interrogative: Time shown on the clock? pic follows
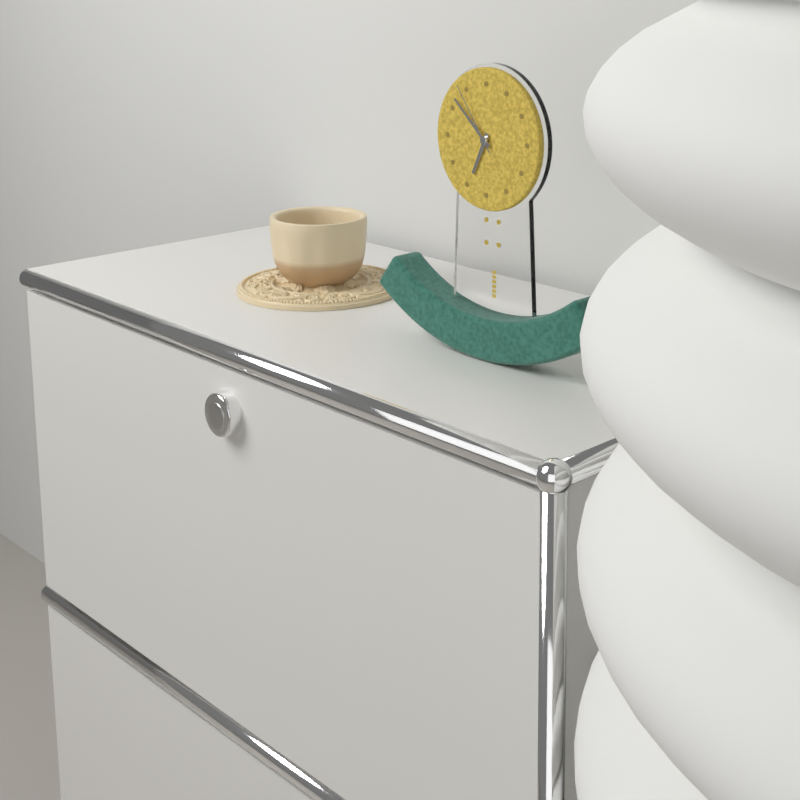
6:52:54
